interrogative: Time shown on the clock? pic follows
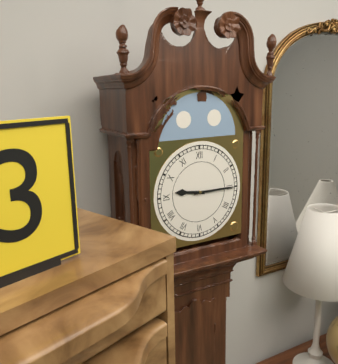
9:15
